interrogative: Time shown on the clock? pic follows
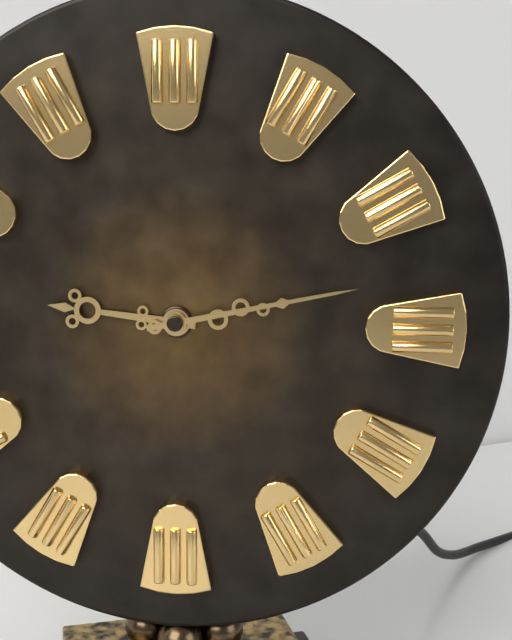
9:13
